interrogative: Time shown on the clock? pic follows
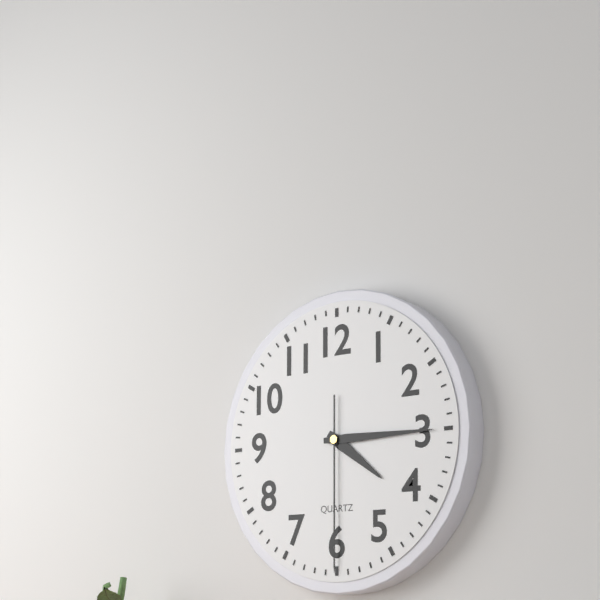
4:15:30
